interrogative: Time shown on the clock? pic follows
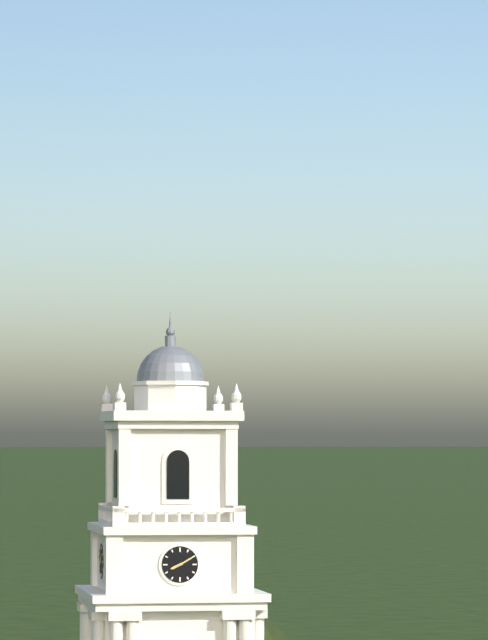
8:10
